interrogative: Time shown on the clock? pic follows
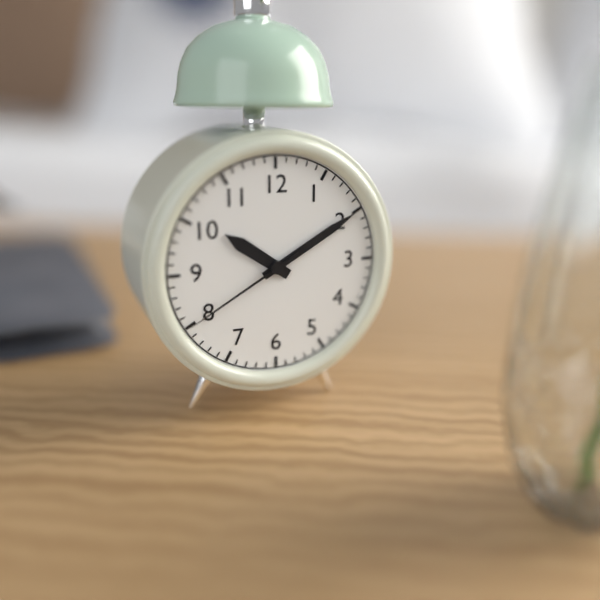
10:10:40
